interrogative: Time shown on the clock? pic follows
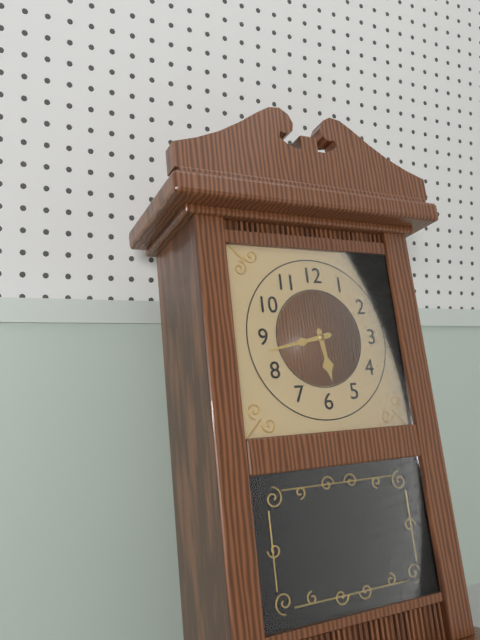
5:43
